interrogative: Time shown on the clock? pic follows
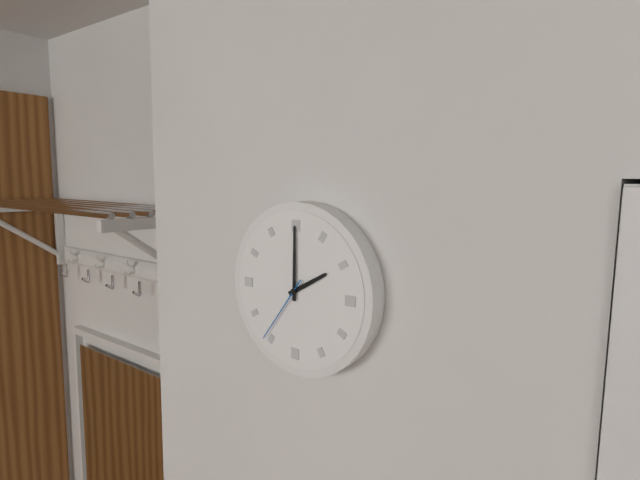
2:00:36
